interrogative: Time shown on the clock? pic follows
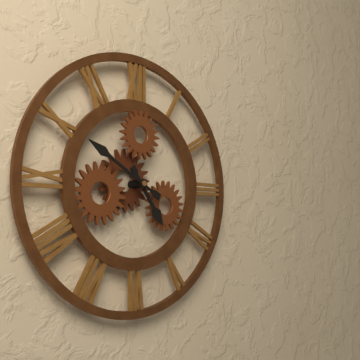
4:50
